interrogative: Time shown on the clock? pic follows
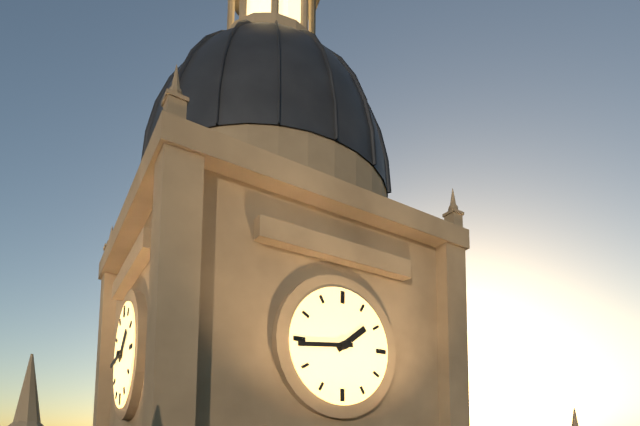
1:44
